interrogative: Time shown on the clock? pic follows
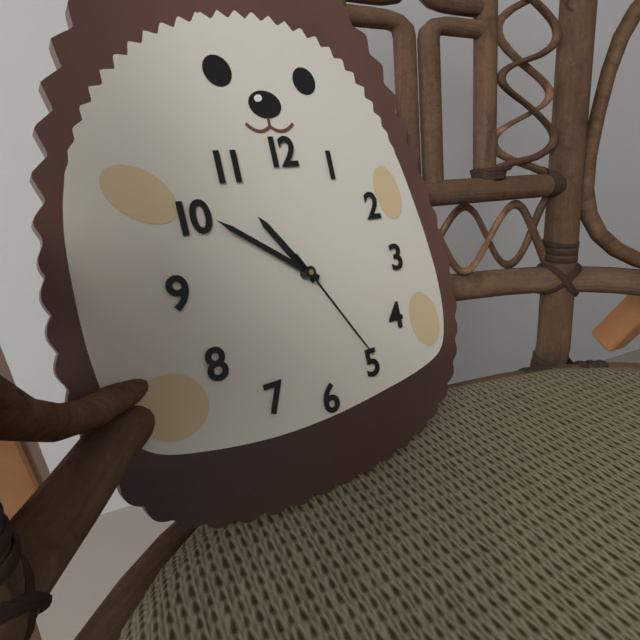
10:51:25
